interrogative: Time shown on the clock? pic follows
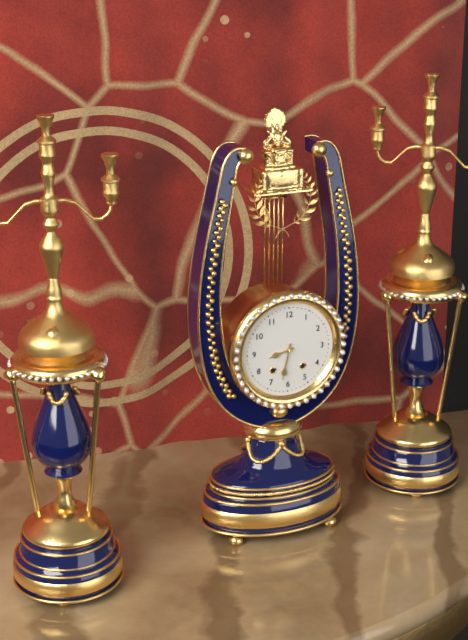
8:32
